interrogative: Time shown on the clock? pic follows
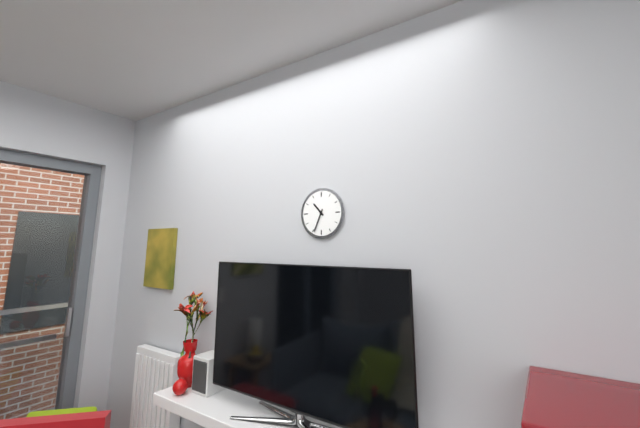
10:34
